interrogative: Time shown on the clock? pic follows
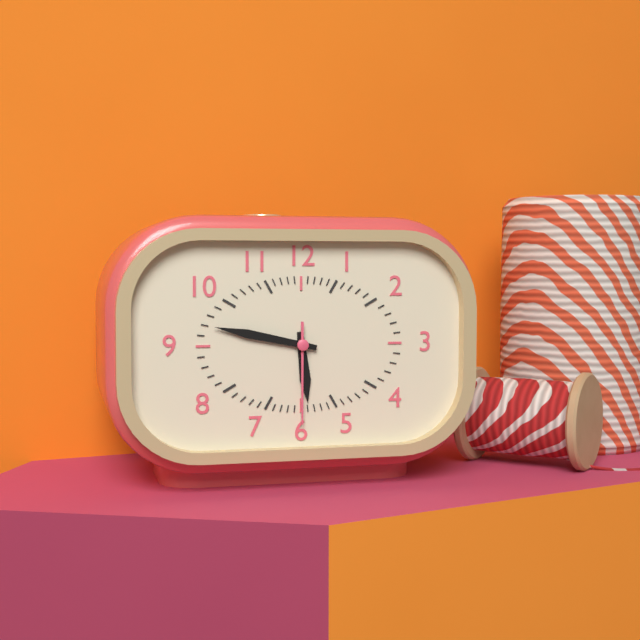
5:47:30
